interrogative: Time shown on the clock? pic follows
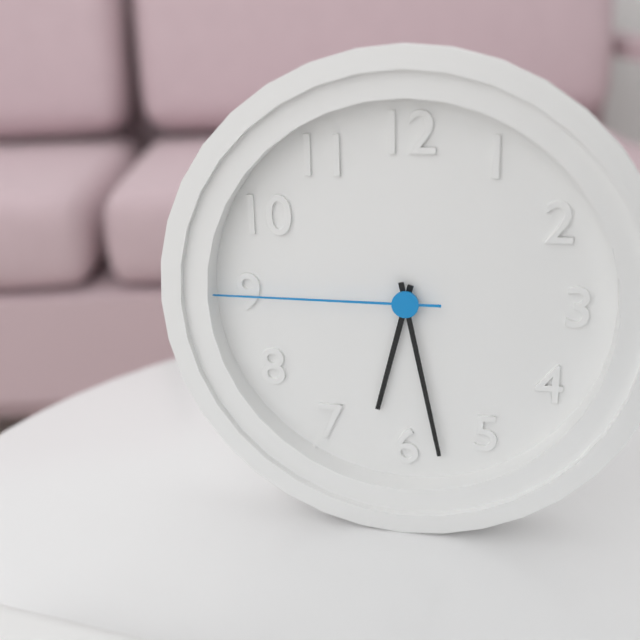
6:28:45
